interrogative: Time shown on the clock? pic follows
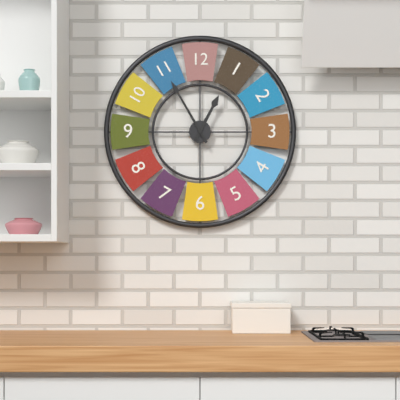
12:55
